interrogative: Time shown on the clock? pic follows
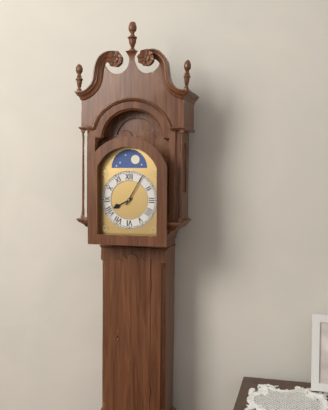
8:05
